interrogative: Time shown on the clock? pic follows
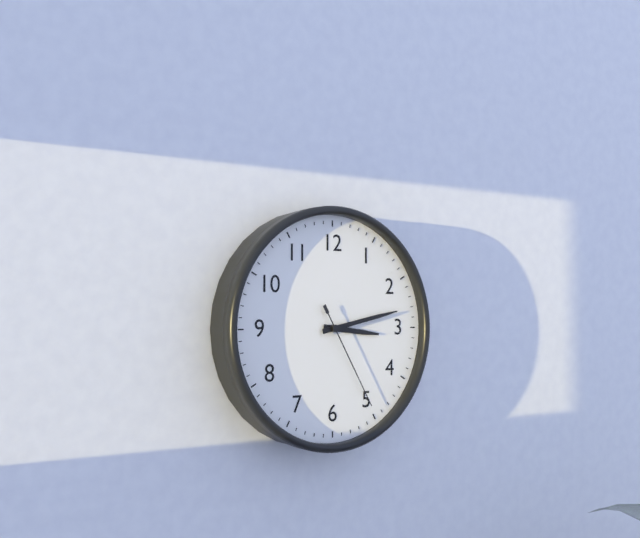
3:13:25
